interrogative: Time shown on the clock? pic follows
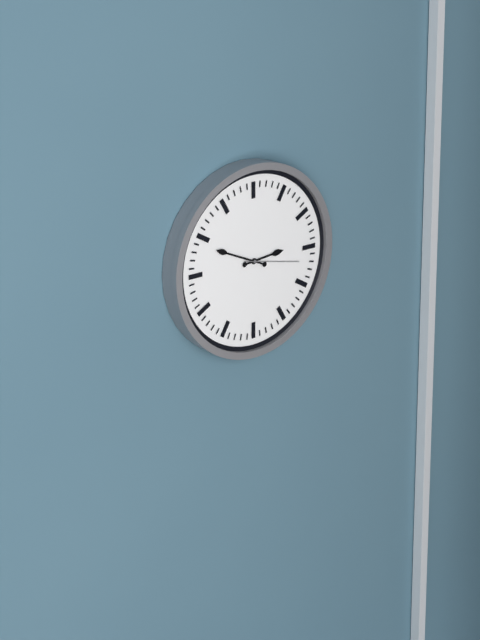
2:49:17
